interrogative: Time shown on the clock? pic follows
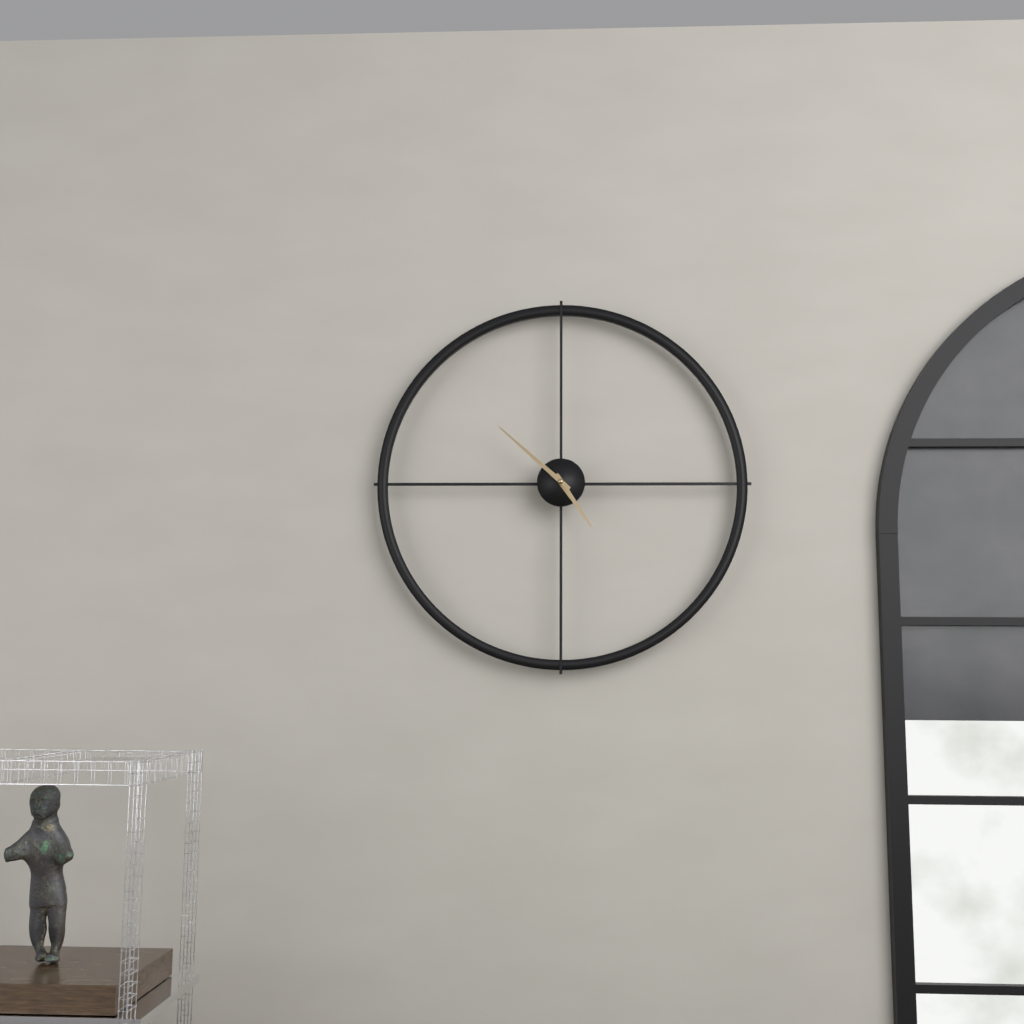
4:52
